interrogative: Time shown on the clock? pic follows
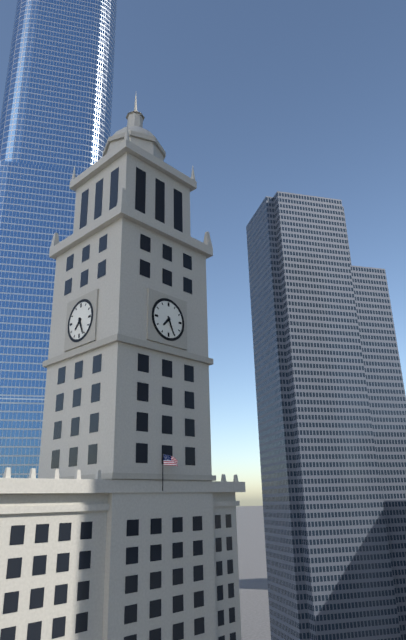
7:26
